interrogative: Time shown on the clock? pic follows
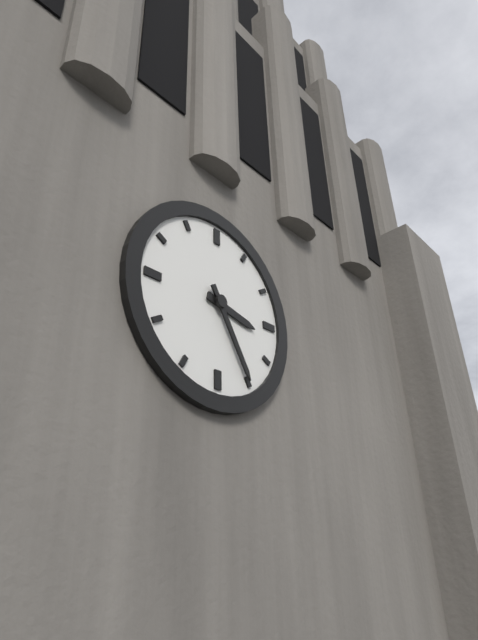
3:25
